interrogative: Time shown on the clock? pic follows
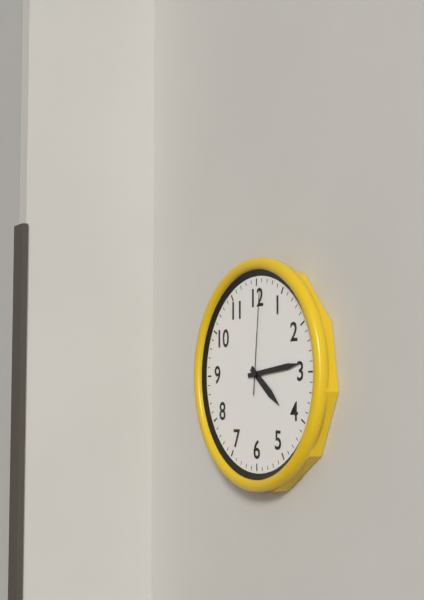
4:14:01
